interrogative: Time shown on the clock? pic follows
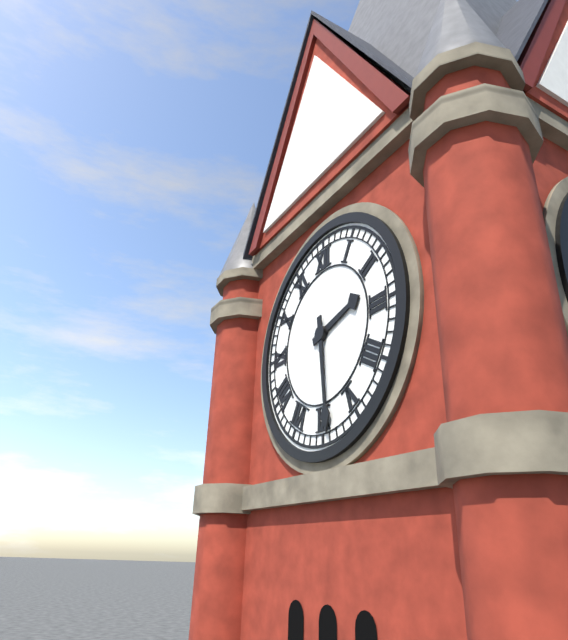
2:29
